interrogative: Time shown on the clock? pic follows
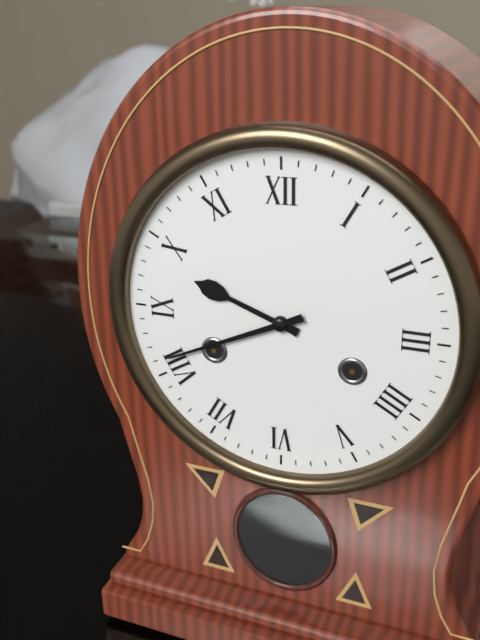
9:41
